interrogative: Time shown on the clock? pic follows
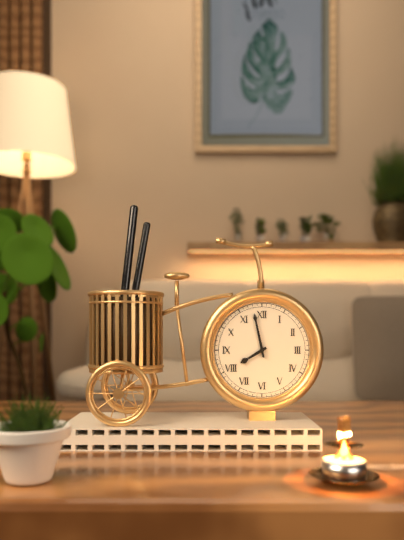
7:58
